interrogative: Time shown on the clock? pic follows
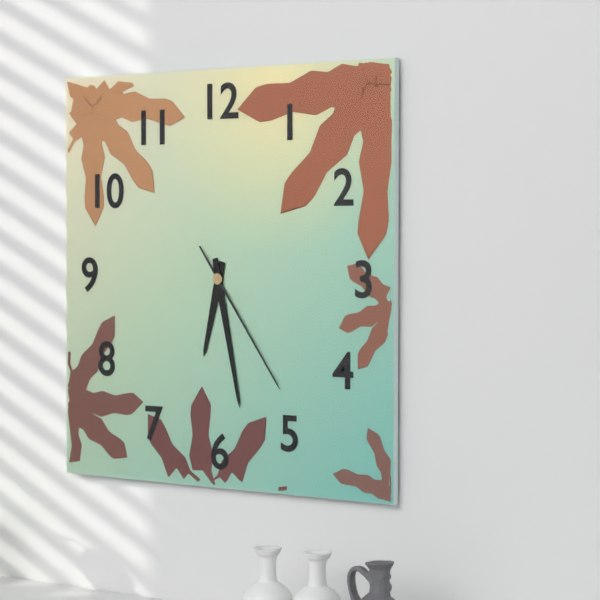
6:28:24
